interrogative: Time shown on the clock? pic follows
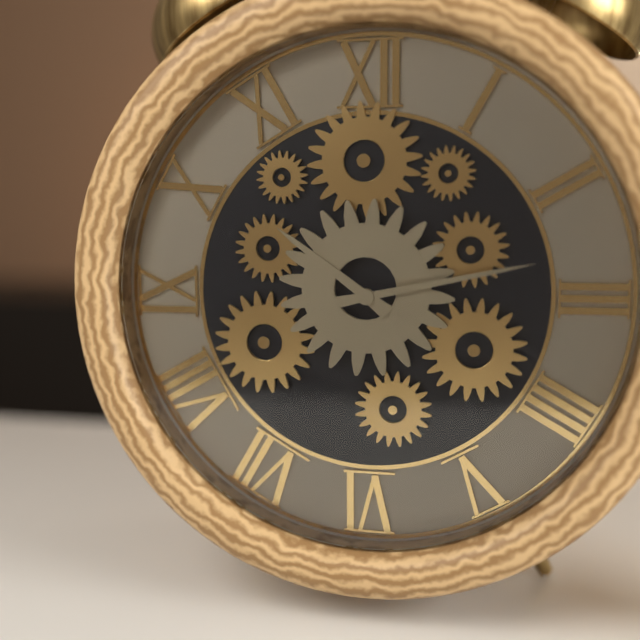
10:13
